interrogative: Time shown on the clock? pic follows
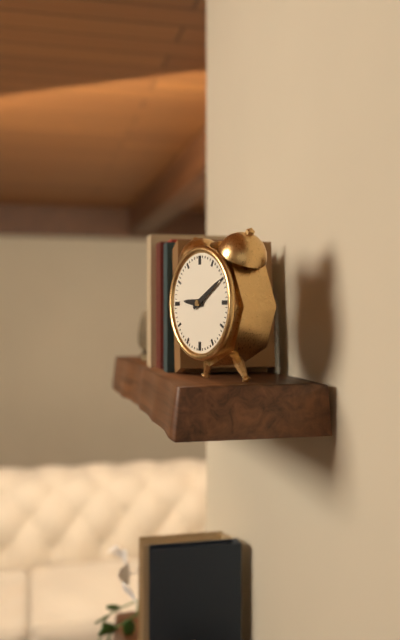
9:10
